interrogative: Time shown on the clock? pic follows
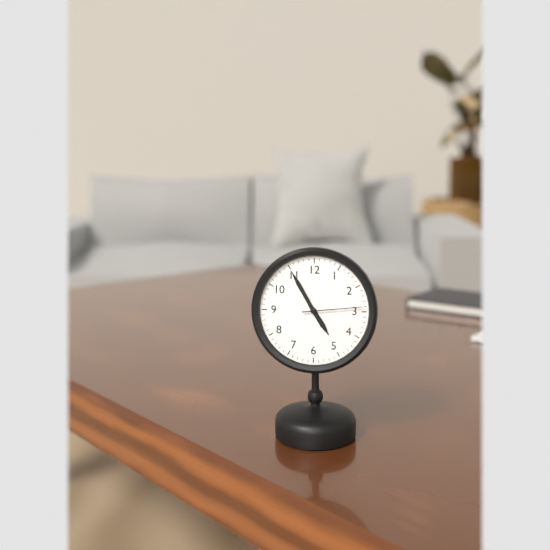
4:55:14
